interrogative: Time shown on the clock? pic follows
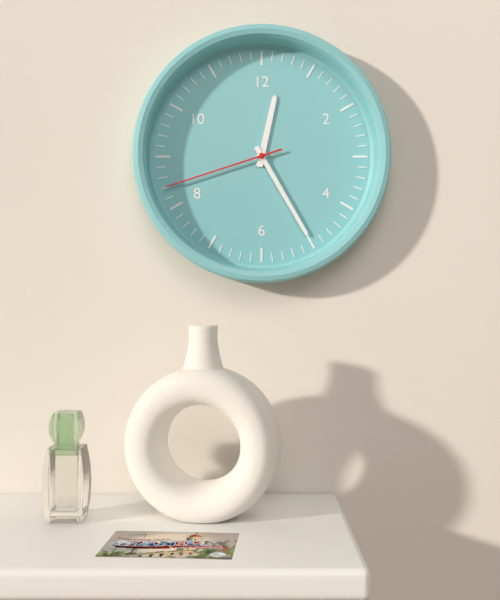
12:25:42
